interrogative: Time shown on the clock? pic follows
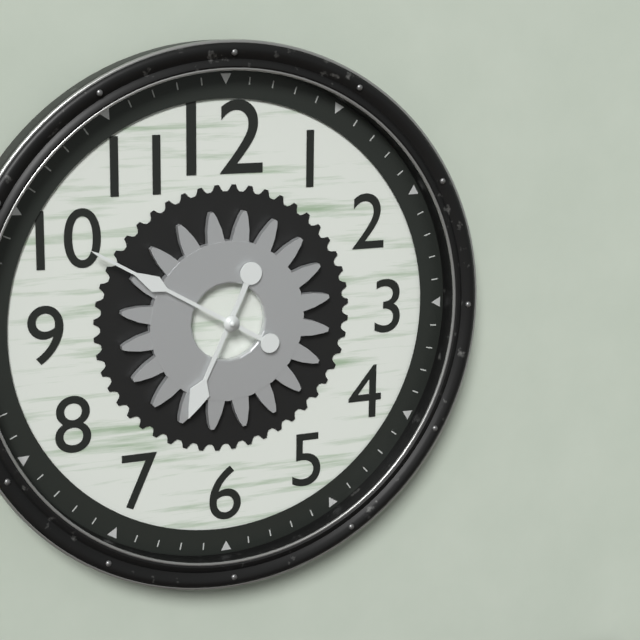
6:50
